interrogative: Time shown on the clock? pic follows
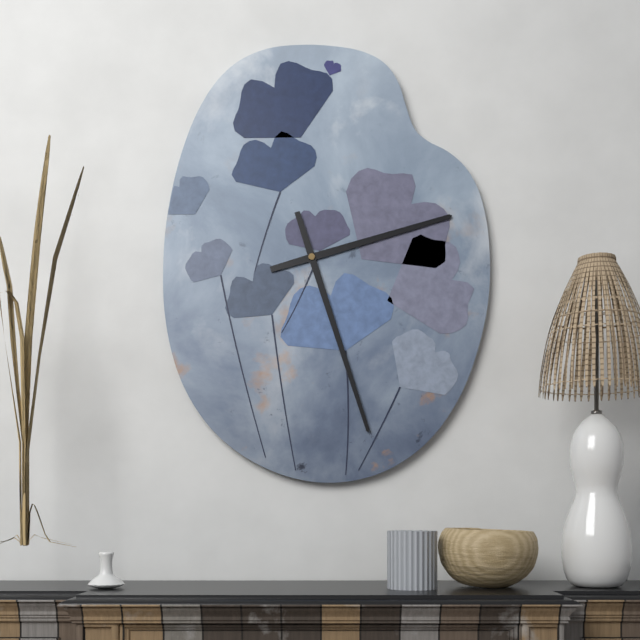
2:27
